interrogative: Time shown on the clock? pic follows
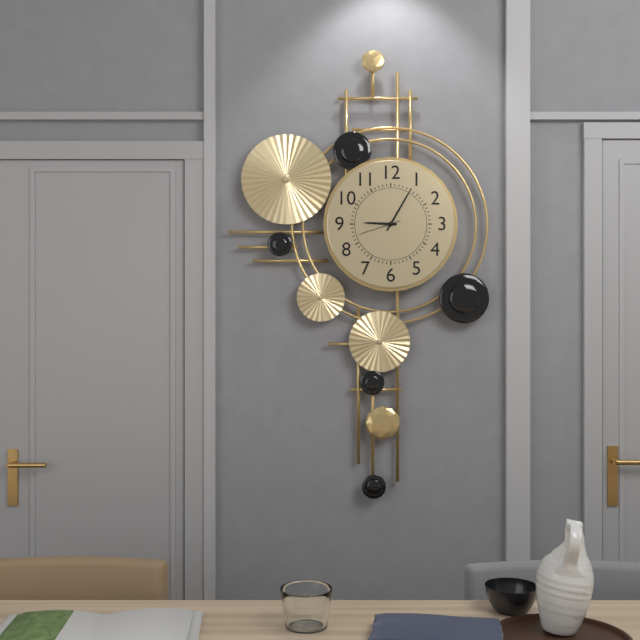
9:05
